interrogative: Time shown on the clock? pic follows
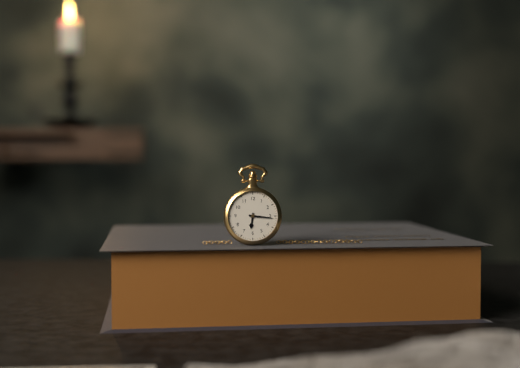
6:16
